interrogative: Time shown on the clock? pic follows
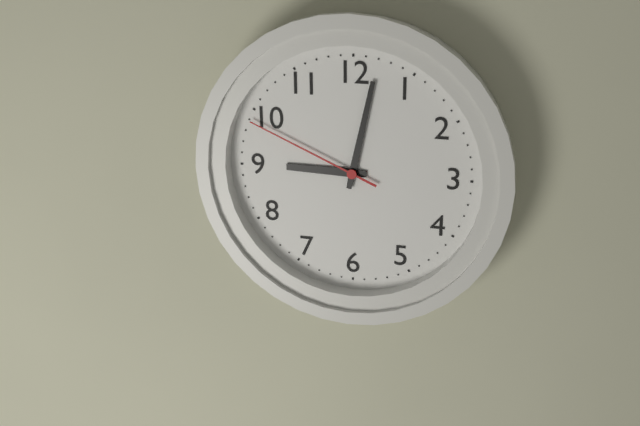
9:02:49
